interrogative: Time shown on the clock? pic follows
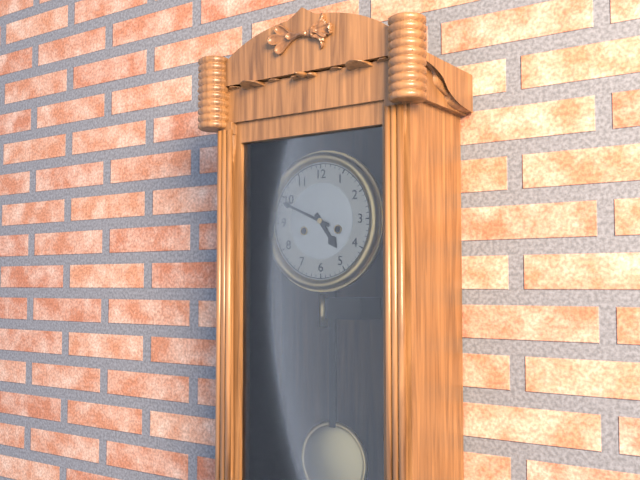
4:49
